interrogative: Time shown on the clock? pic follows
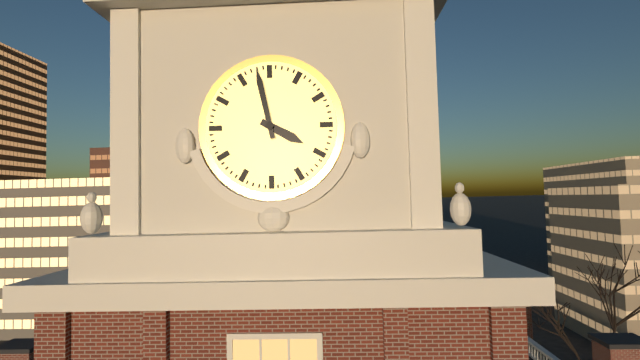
3:58
